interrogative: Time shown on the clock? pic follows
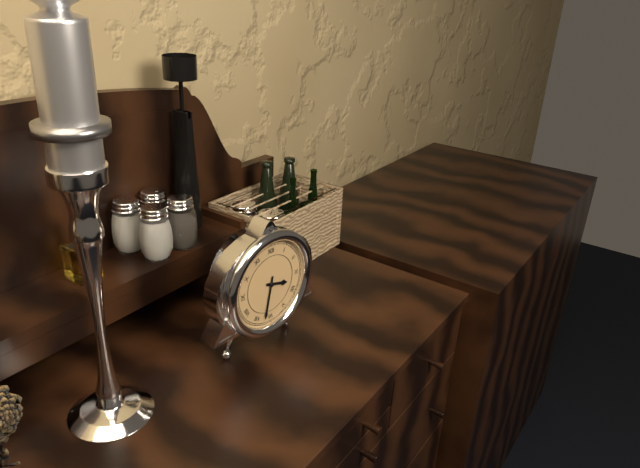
3:32
